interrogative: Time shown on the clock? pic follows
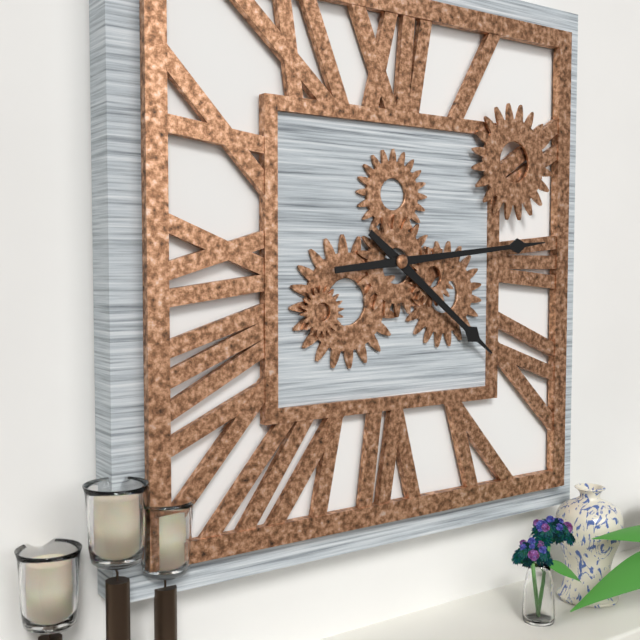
4:14
